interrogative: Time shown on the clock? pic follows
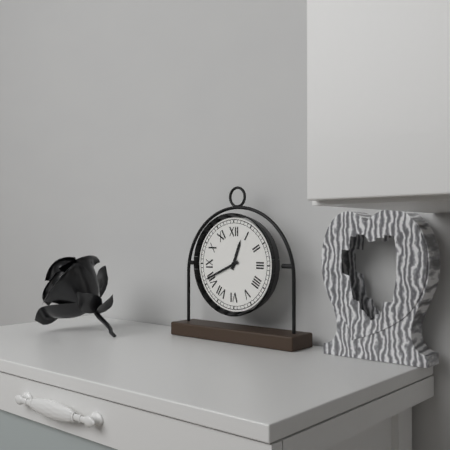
12:41
